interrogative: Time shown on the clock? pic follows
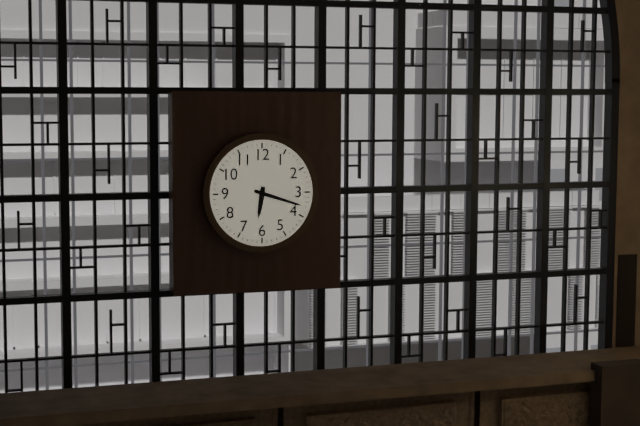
6:18
